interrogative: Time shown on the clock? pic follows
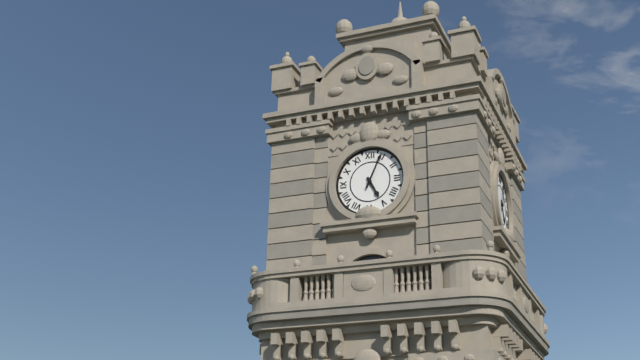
5:04
